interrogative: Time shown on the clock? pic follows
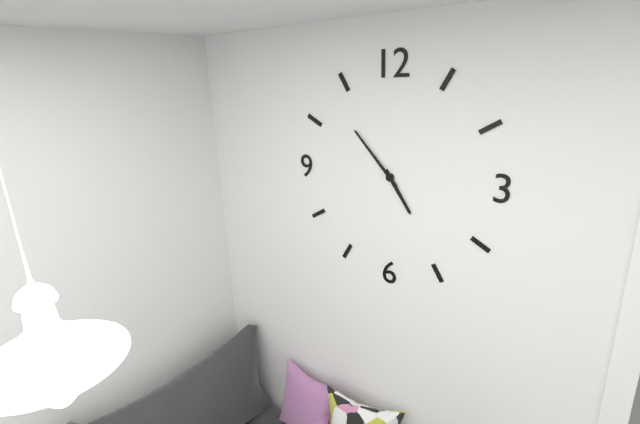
4:53
